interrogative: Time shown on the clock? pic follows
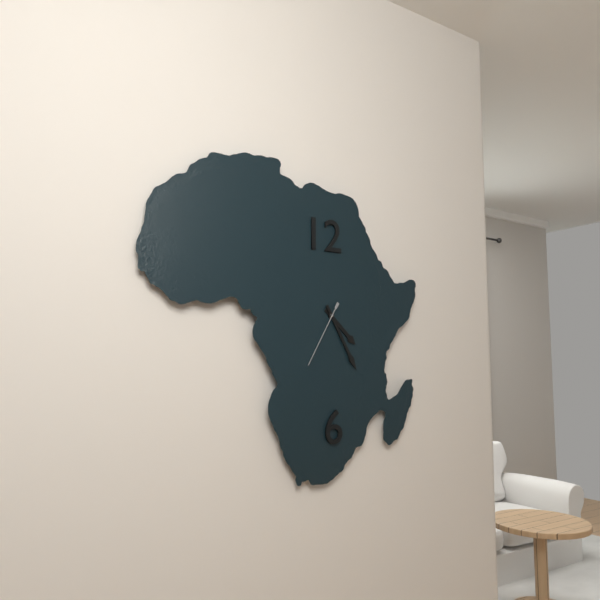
4:25:35
